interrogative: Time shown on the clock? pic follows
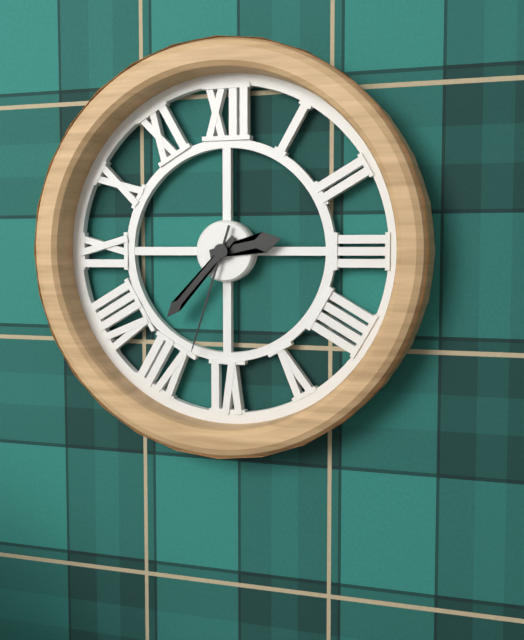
2:37:33
